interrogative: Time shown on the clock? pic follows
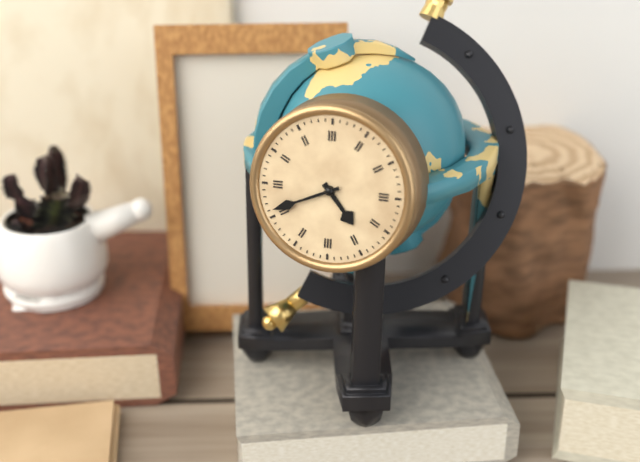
4:41
